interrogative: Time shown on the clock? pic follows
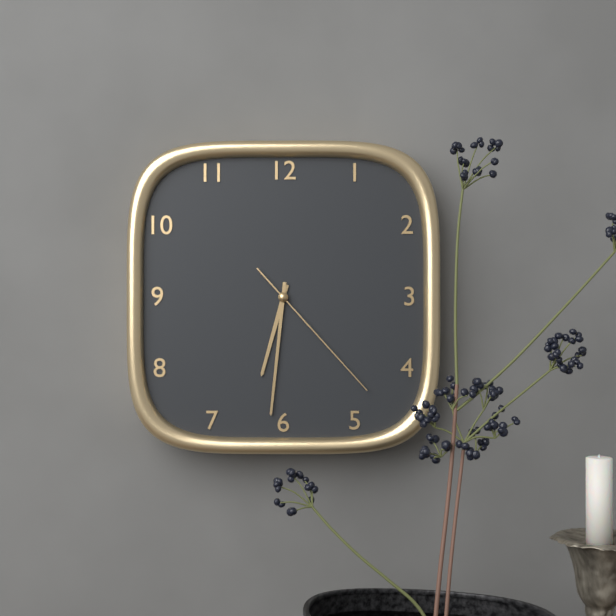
6:31:23
